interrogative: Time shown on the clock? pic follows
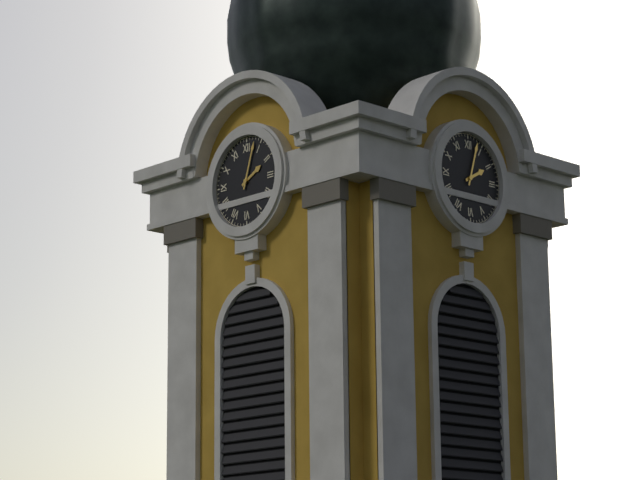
2:03
